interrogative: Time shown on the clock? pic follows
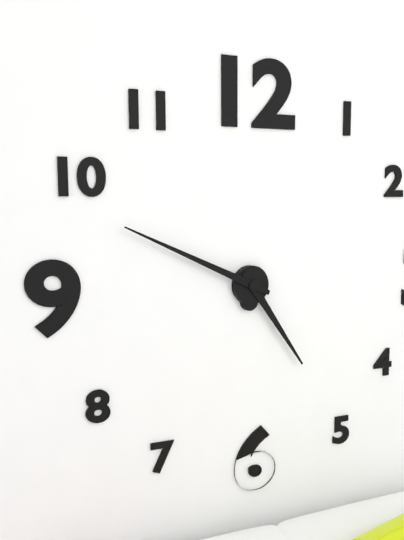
4:49
